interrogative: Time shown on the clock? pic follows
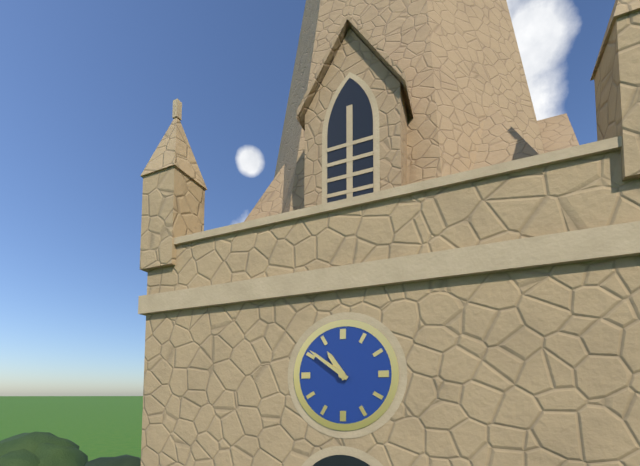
10:51
